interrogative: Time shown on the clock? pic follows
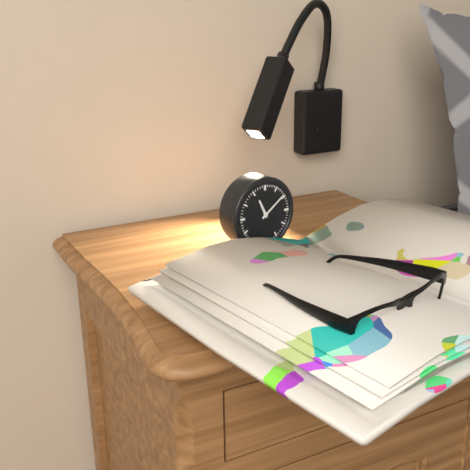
11:09
